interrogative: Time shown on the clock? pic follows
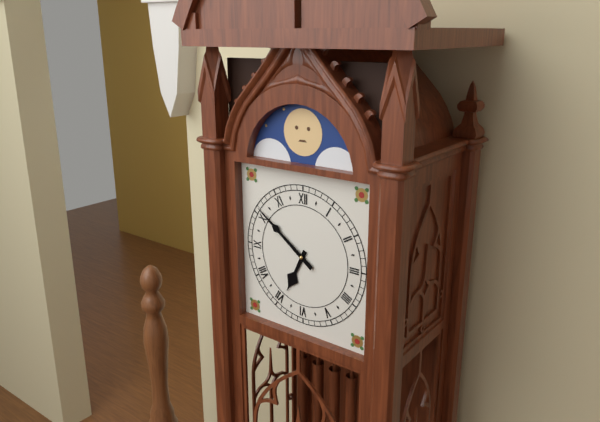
6:51
